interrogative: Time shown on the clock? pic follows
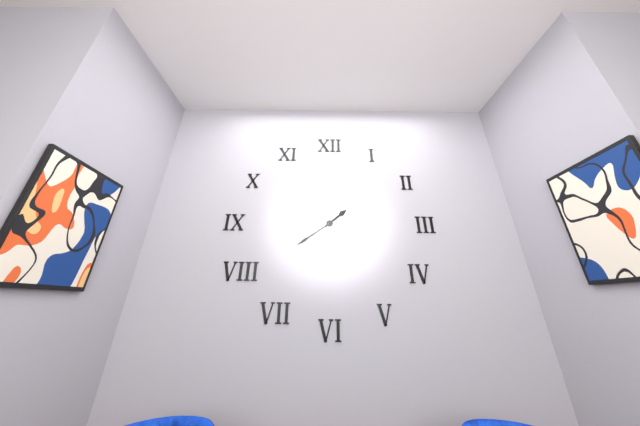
1:39
